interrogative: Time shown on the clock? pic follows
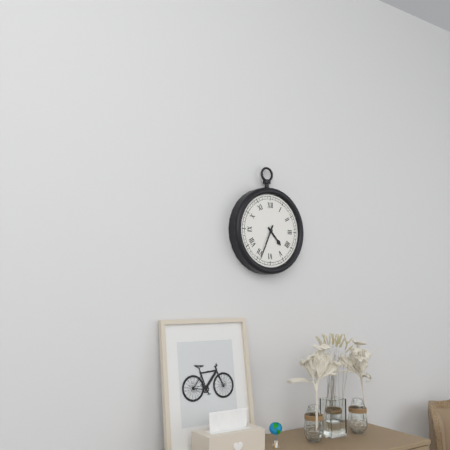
4:34
